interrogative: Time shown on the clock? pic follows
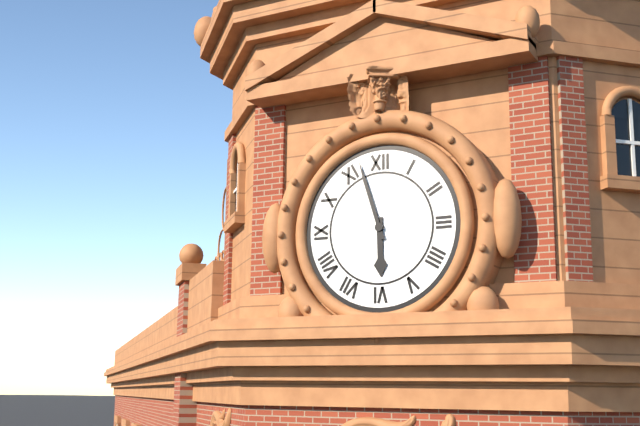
5:57
